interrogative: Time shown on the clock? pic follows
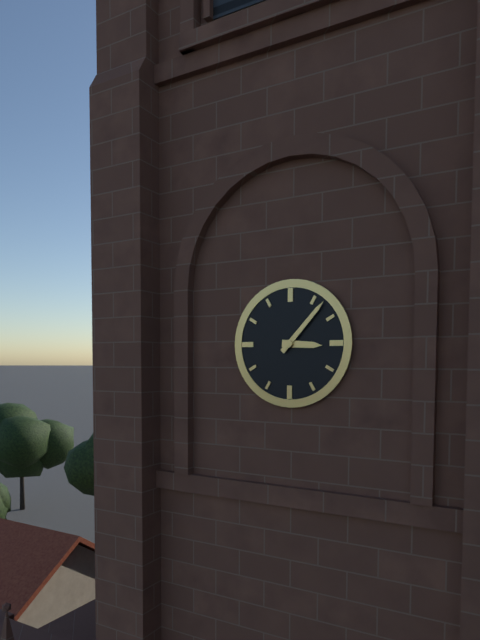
3:07
